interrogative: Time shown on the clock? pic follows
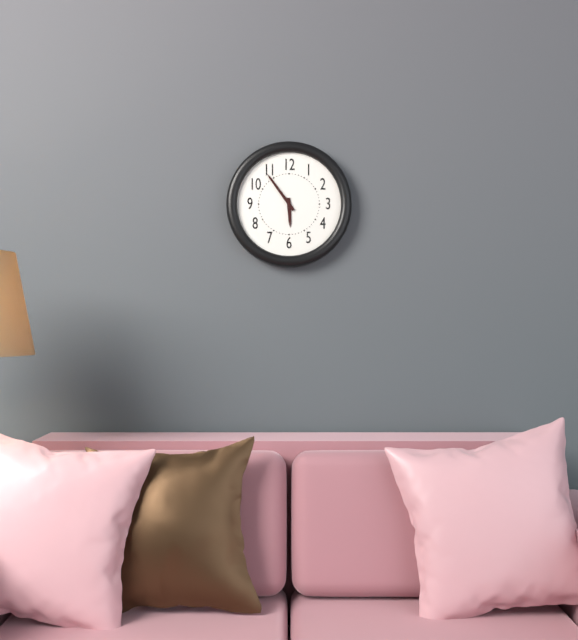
5:54
